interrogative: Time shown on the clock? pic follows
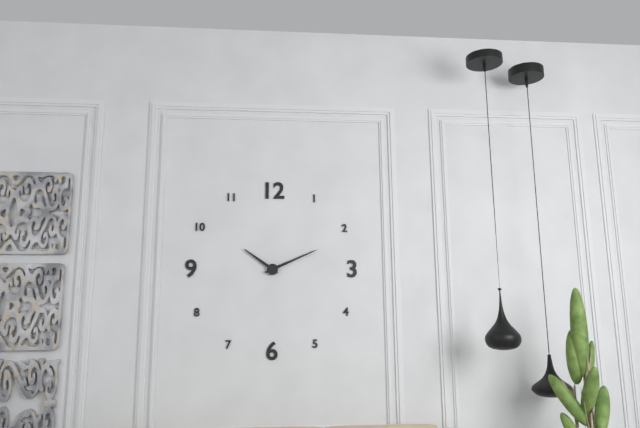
10:11
